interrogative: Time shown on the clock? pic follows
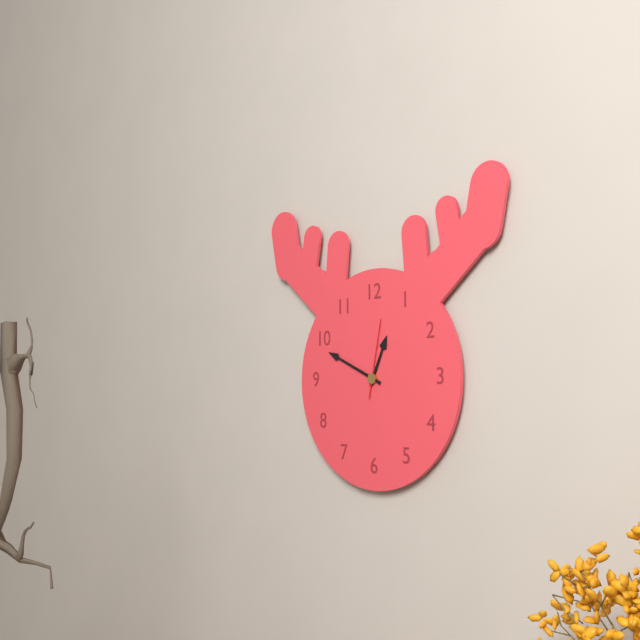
12:49:02
